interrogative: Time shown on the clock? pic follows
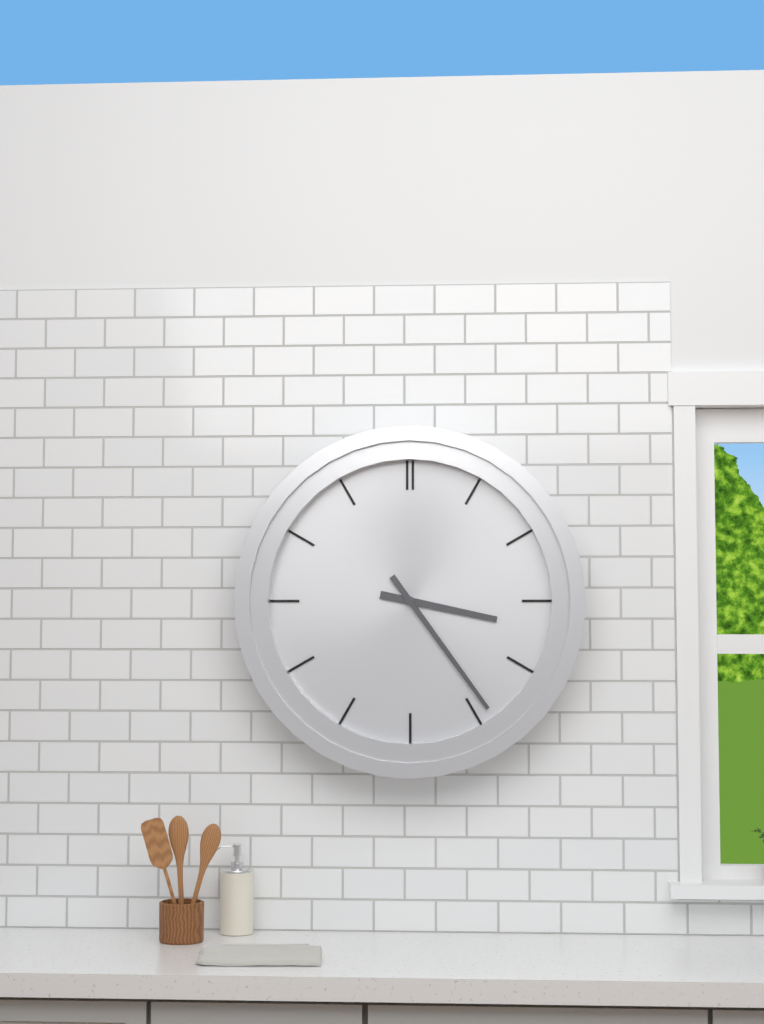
3:24
